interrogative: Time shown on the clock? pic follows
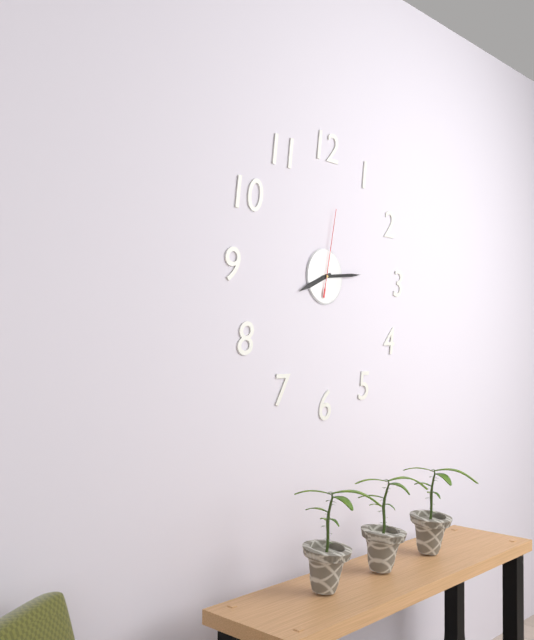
8:14:02
